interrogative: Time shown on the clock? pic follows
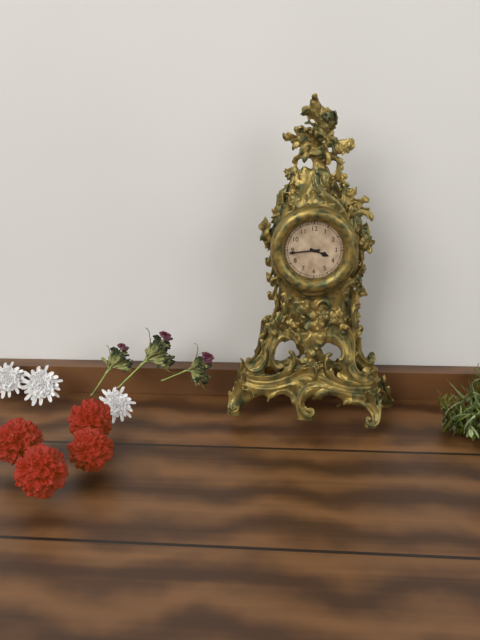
3:44
